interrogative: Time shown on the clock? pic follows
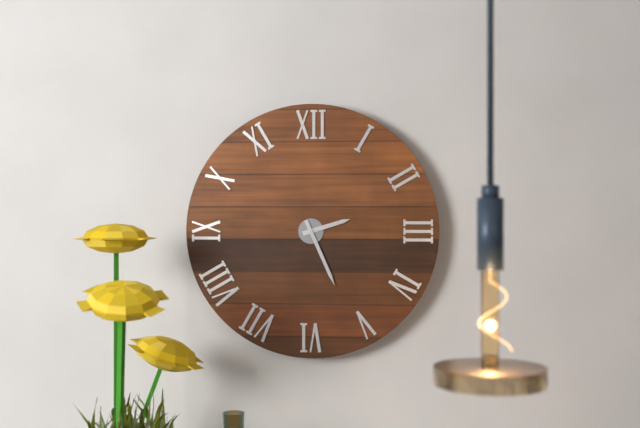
2:26
